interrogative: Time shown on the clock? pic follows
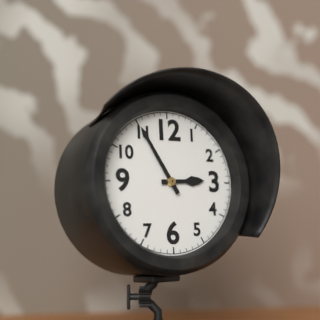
2:55
